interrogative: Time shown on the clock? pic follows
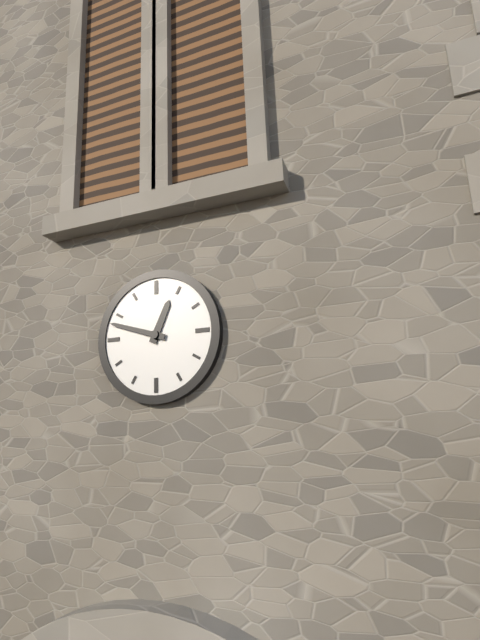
12:48
